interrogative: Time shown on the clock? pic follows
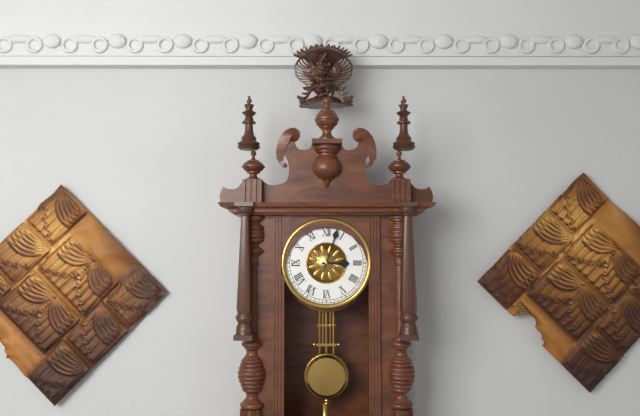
3:03
